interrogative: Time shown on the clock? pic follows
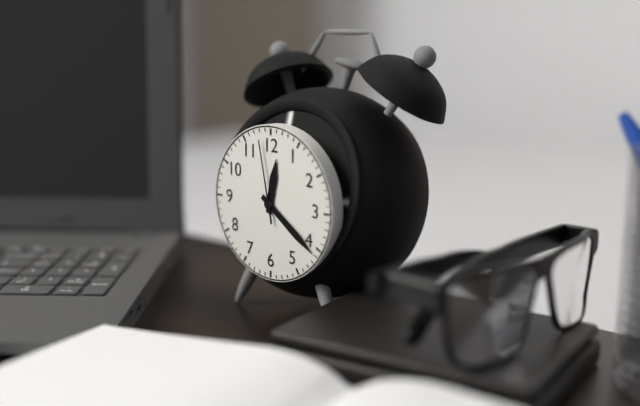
12:21:58
